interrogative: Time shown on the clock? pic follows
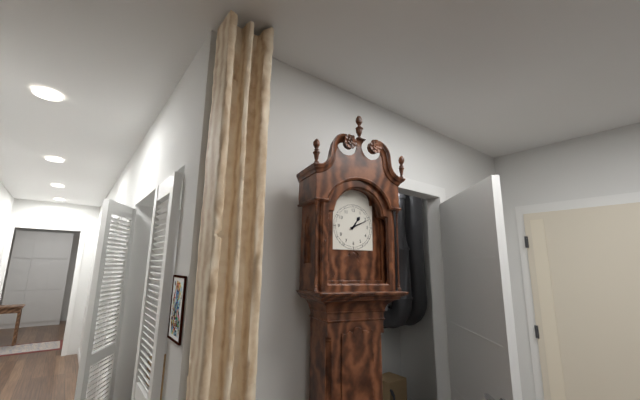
1:11
